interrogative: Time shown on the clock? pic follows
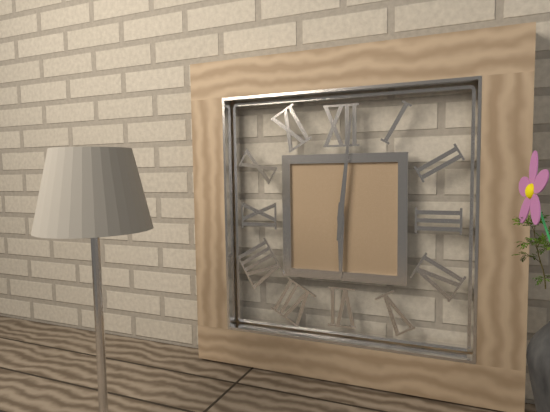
6:01
